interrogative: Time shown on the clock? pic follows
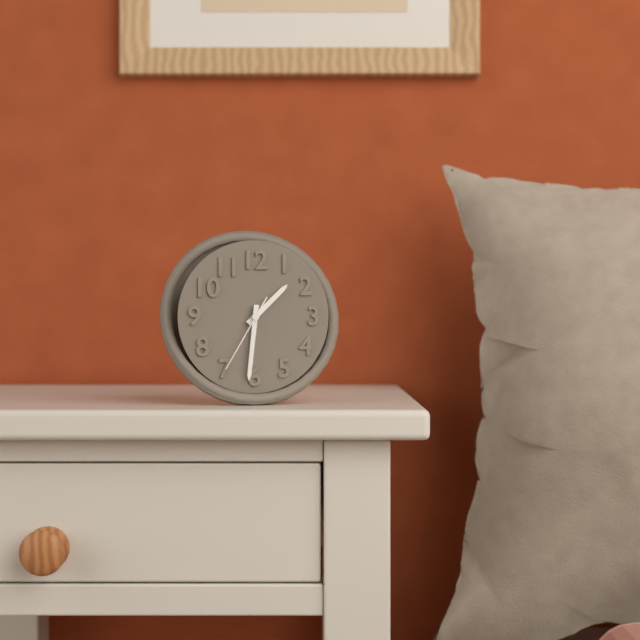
1:31:35
